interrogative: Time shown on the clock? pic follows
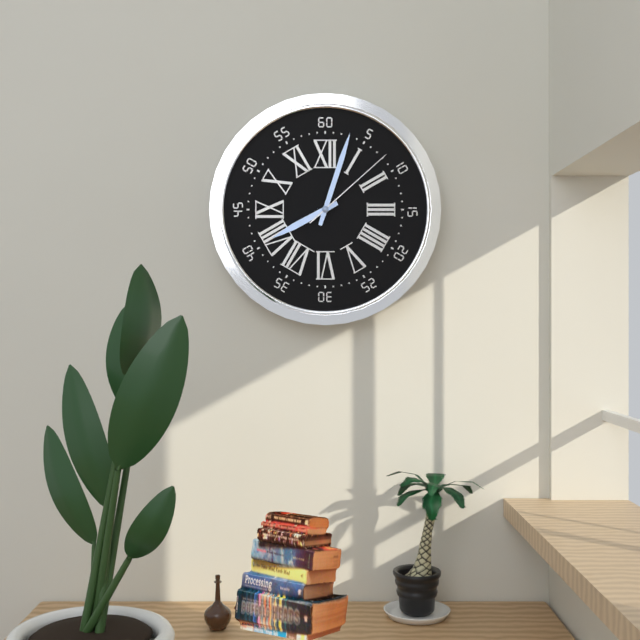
8:03:08
